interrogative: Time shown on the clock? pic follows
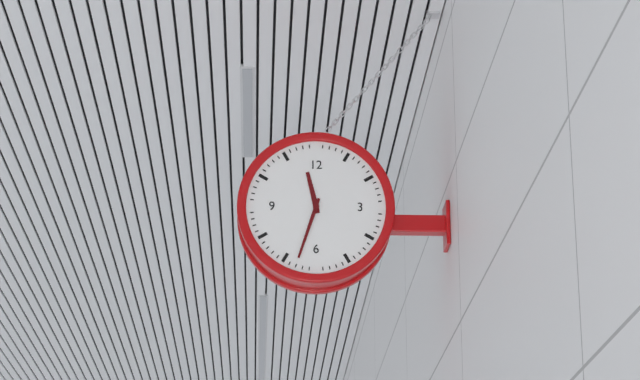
11:33
